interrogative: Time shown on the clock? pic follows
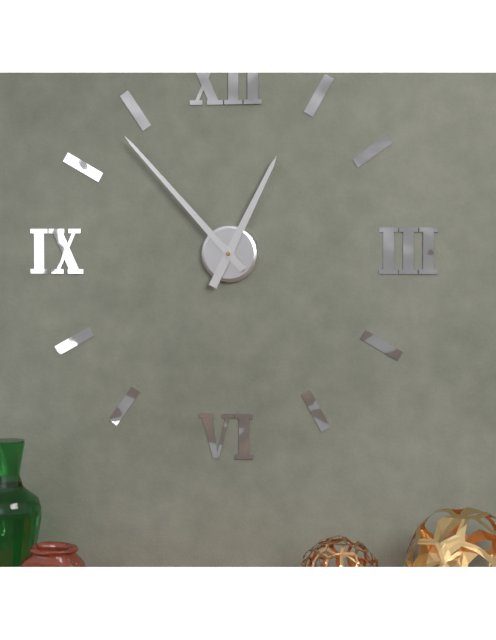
12:53
